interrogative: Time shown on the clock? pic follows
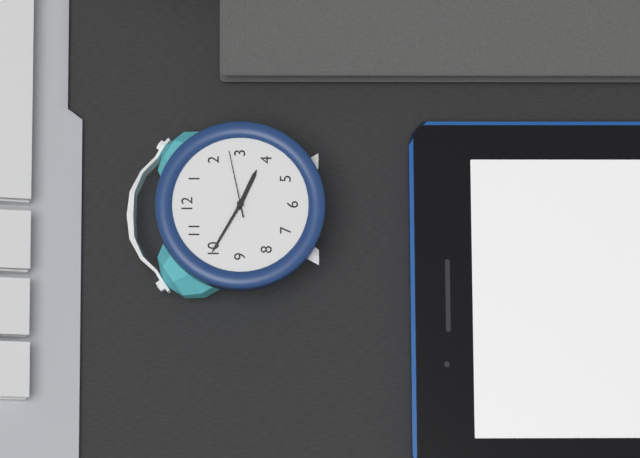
3:50:13
